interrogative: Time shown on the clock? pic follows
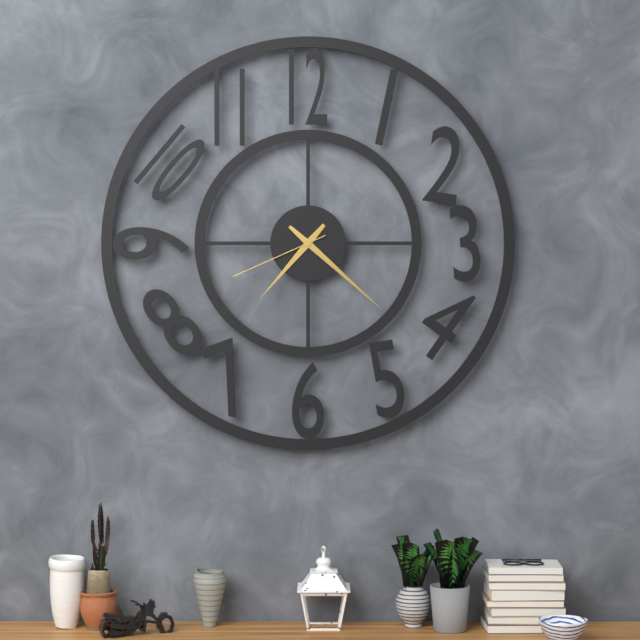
7:22:41
